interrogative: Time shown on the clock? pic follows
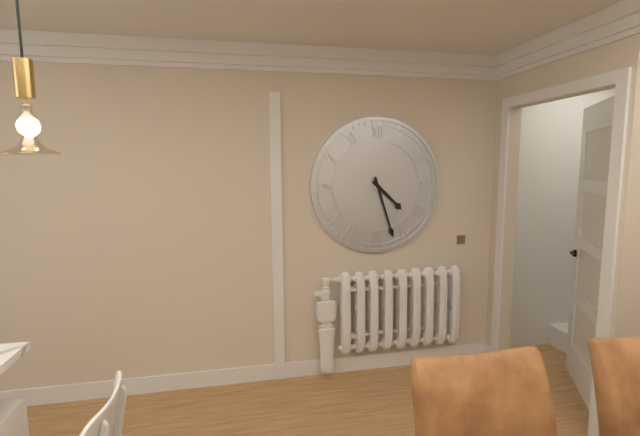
4:27
